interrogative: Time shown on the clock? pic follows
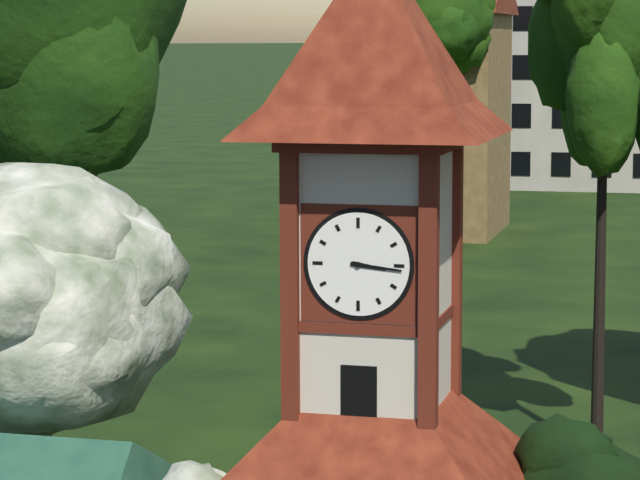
3:16
